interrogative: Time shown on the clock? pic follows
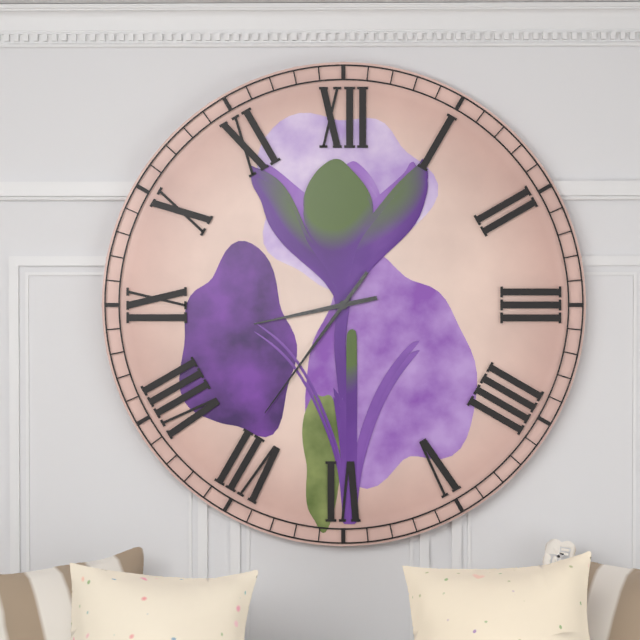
8:36
